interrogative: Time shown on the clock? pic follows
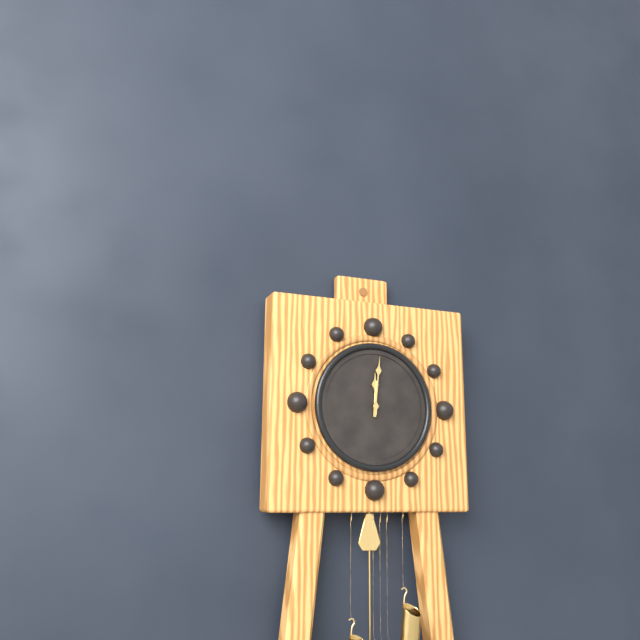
12:01
